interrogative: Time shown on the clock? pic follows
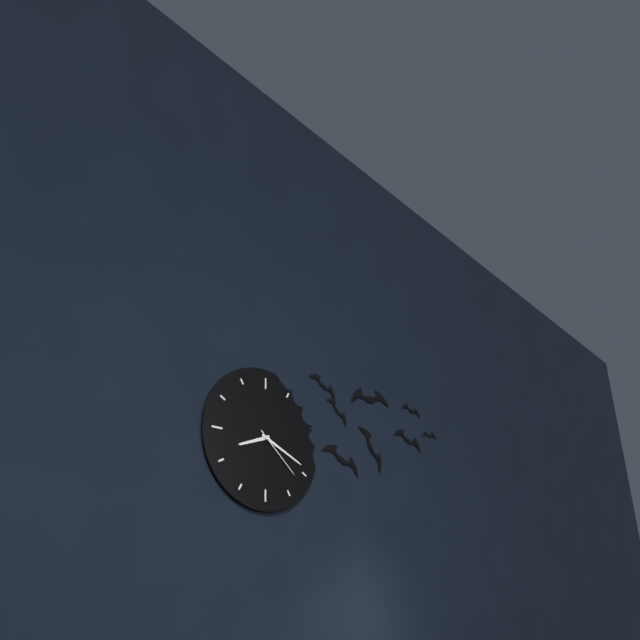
8:19:22
